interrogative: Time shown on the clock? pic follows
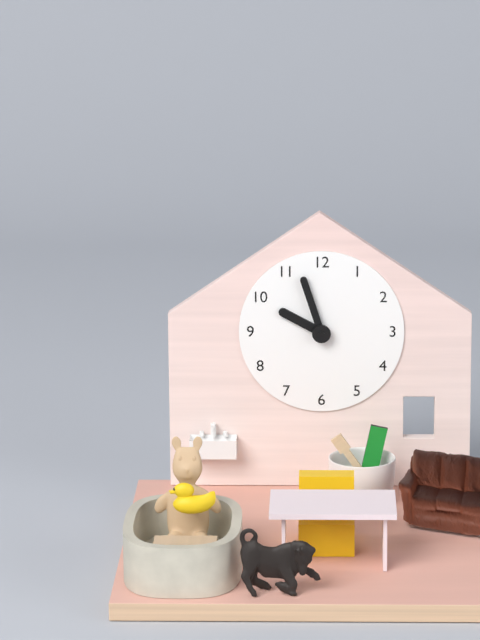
9:57
